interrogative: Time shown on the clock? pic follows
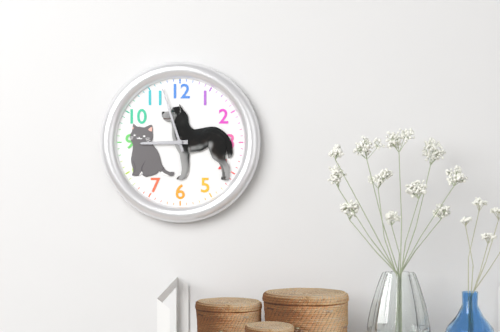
8:57
